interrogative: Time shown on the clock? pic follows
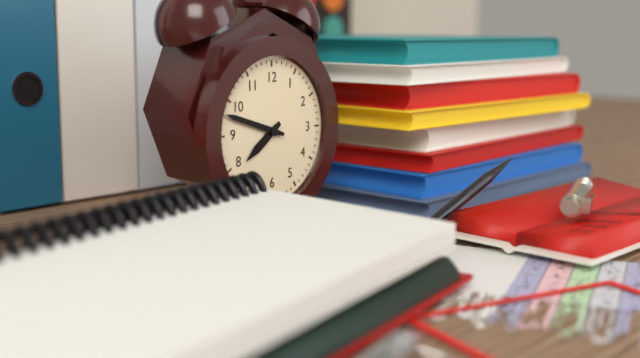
7:48
